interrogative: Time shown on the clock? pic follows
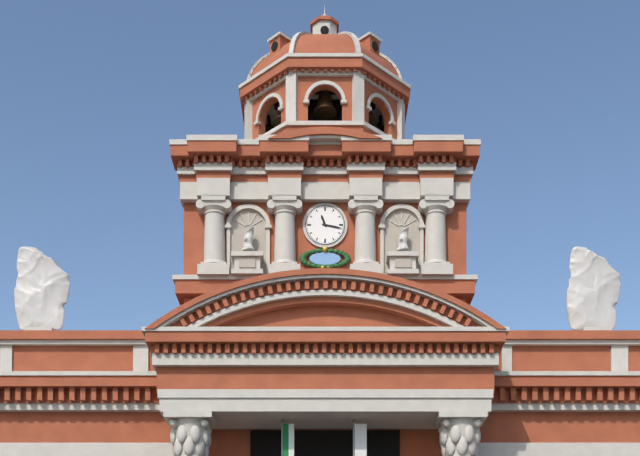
11:17
